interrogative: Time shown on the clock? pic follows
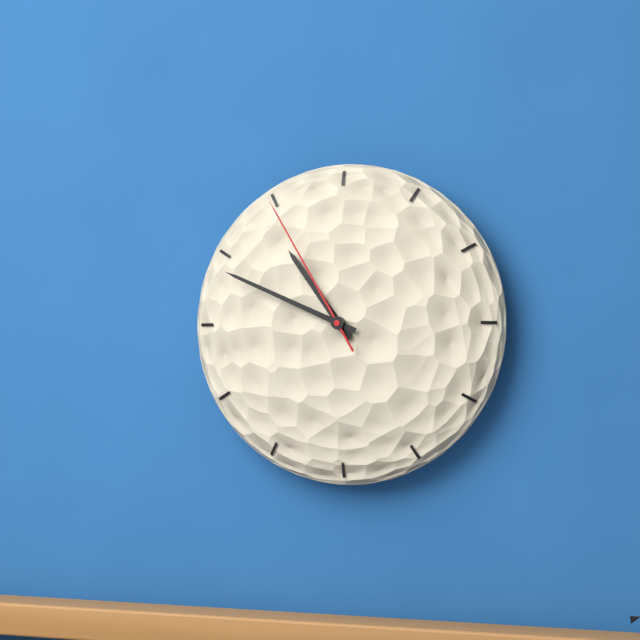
10:49:55
